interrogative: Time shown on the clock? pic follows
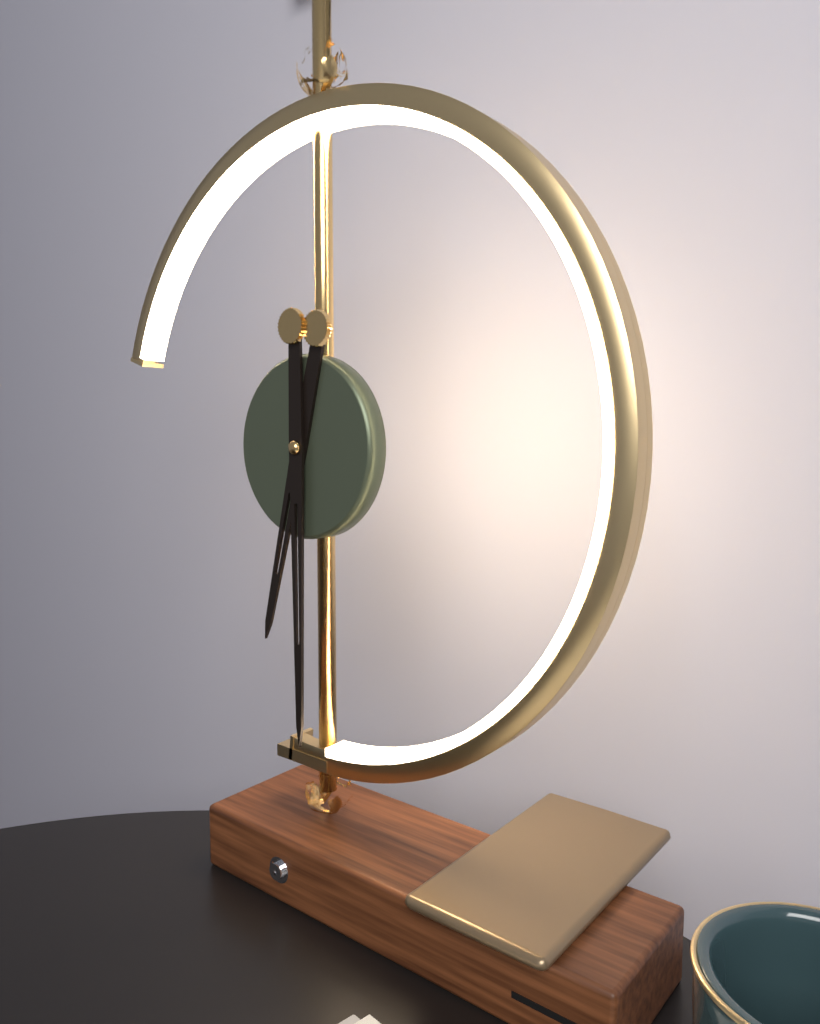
6:30
